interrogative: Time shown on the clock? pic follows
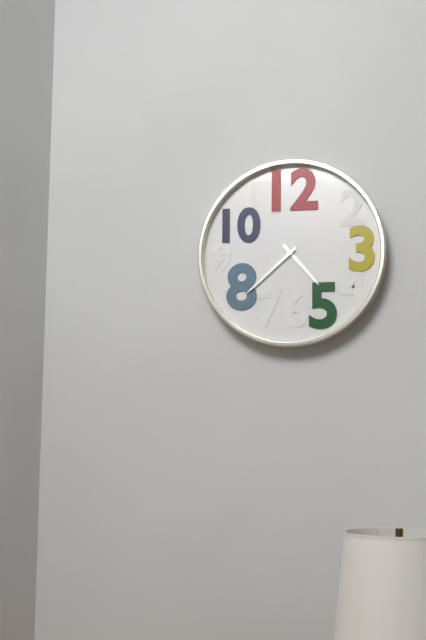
4:38
